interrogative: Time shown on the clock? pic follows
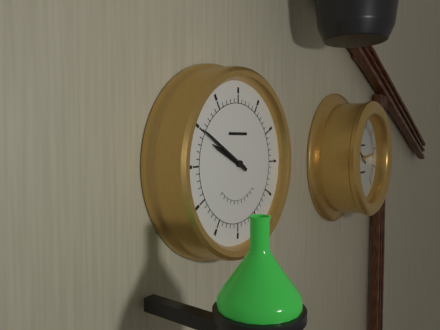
9:50
